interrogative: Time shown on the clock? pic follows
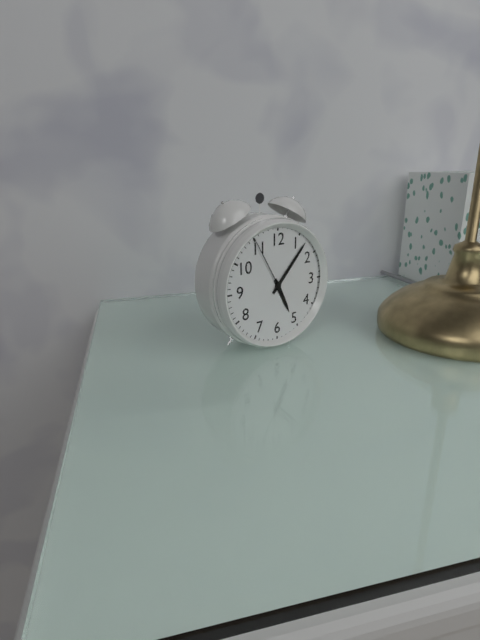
5:07:55
